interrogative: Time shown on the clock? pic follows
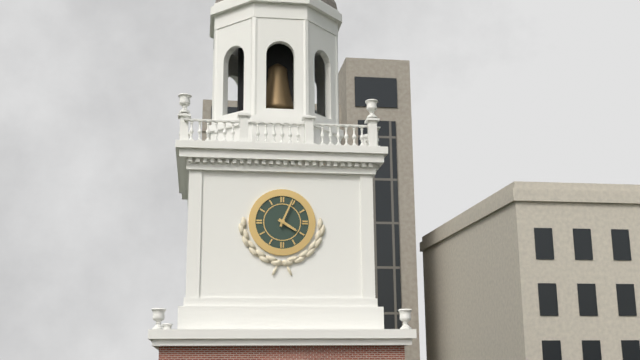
4:04
